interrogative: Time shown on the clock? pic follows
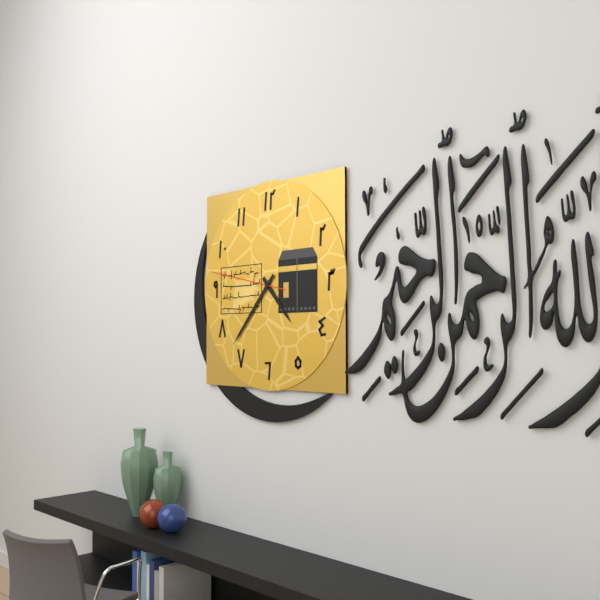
4:37:47
